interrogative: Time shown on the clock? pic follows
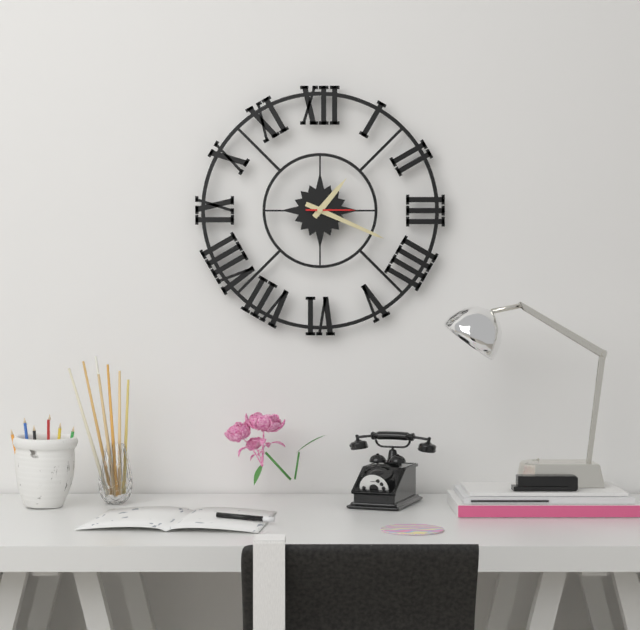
1:19
